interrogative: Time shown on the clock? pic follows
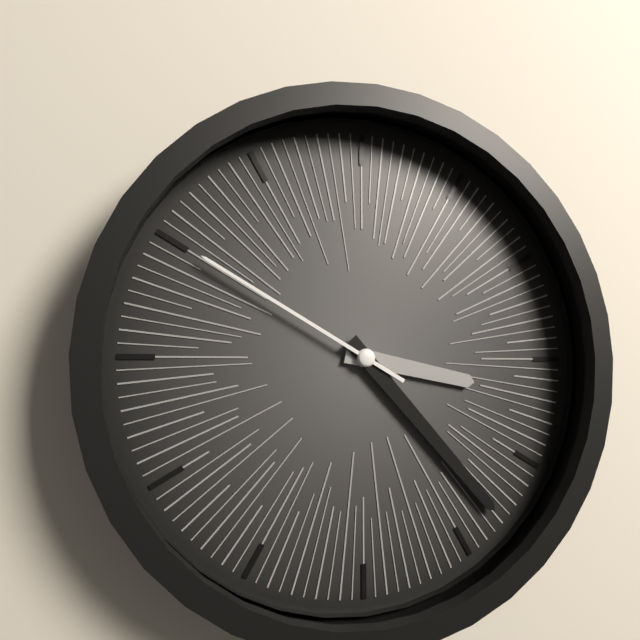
3:23:50
